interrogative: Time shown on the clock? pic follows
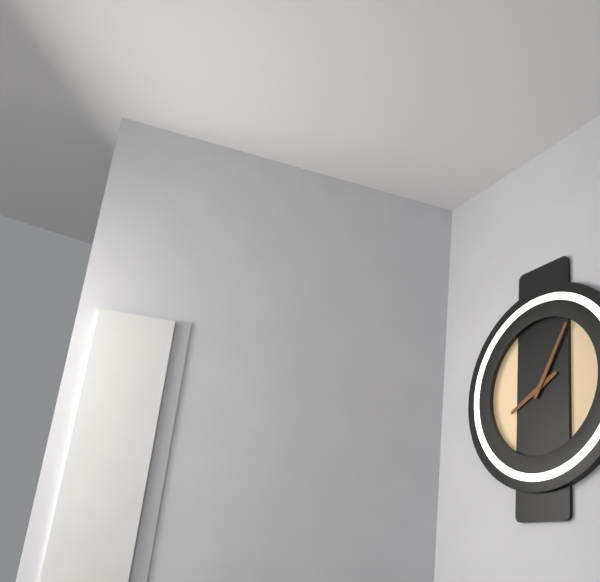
8:05
